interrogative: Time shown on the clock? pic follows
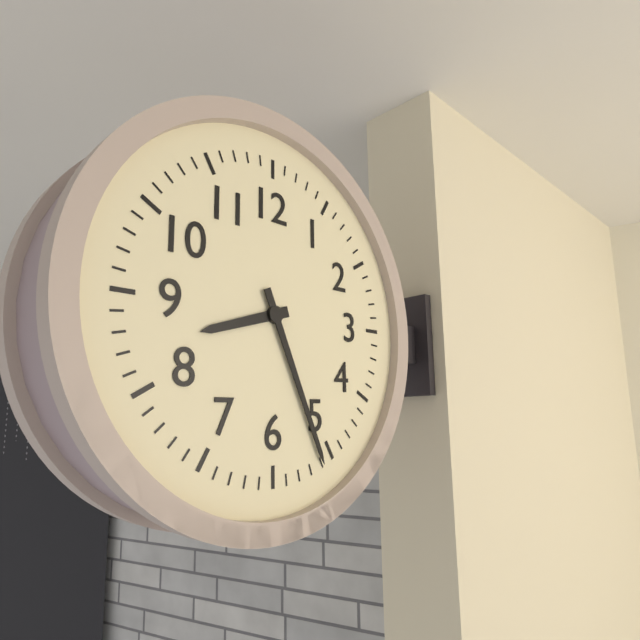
8:26
